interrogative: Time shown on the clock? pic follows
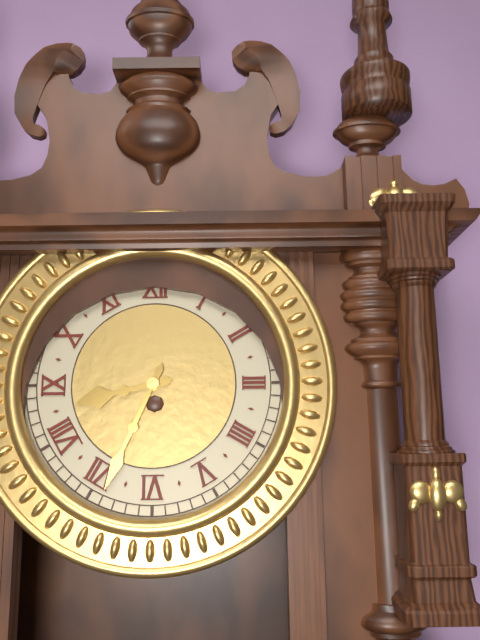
8:34
